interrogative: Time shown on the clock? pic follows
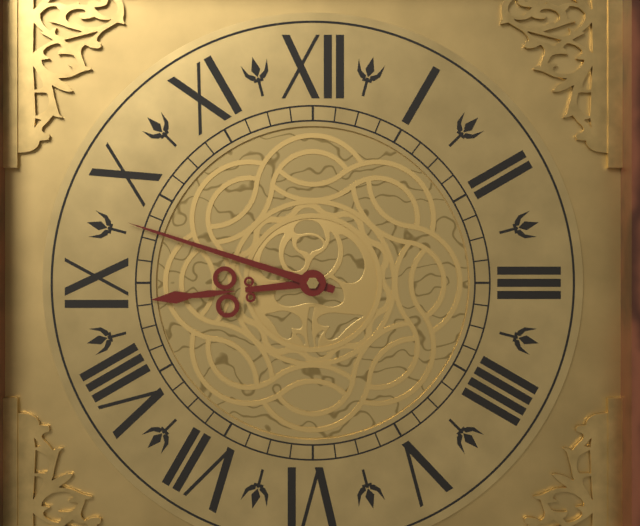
8:48
